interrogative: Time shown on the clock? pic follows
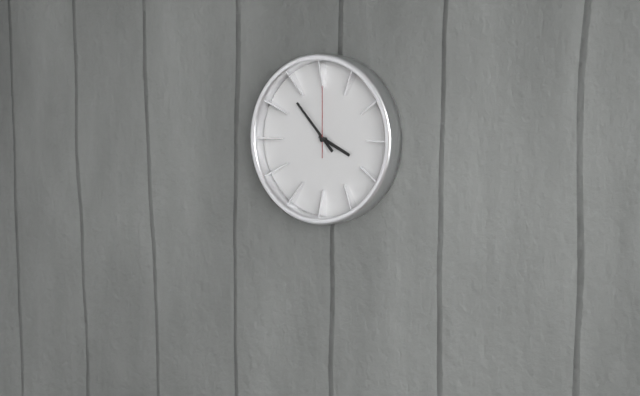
3:53:00
